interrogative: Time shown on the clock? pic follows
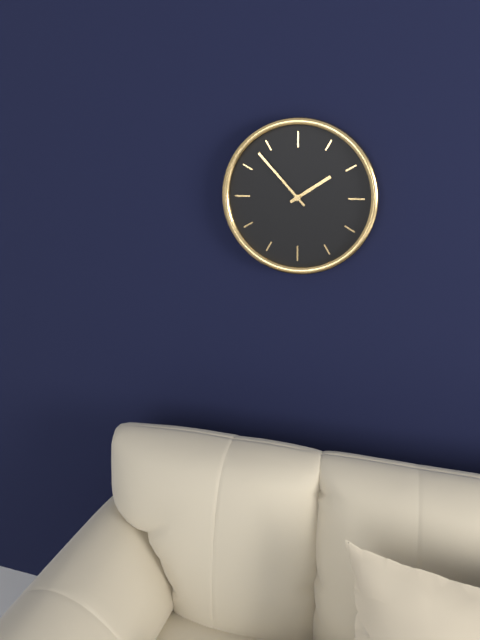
1:53
